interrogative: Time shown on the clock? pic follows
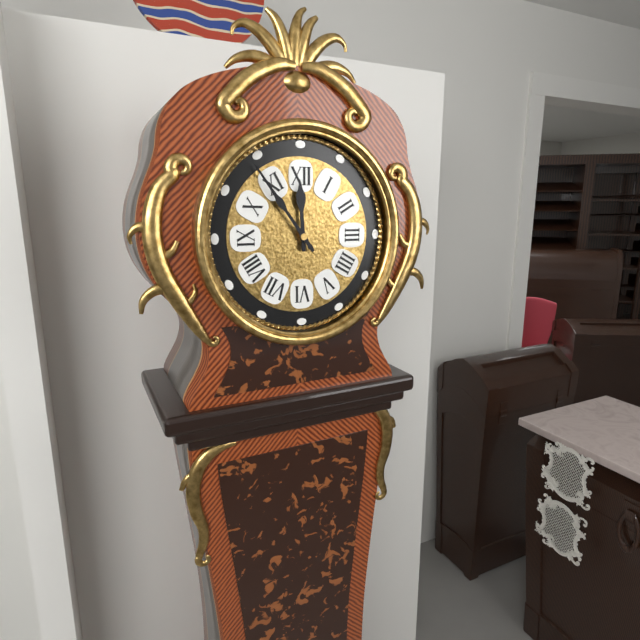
11:54
